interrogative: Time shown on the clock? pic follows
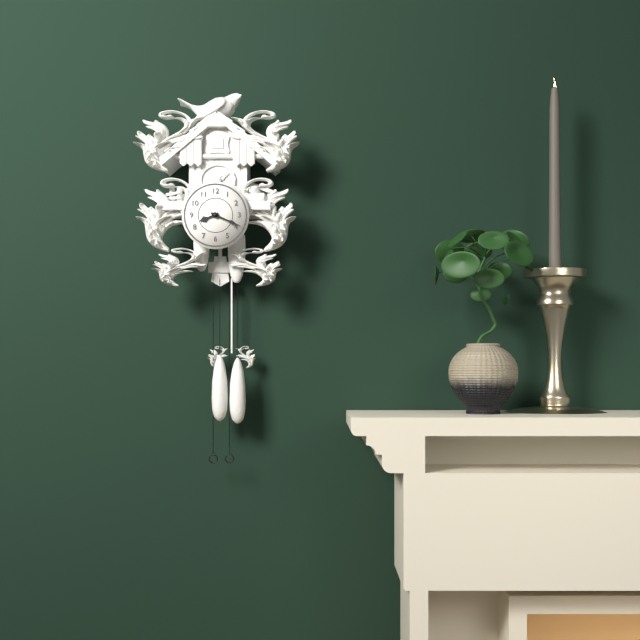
8:19
